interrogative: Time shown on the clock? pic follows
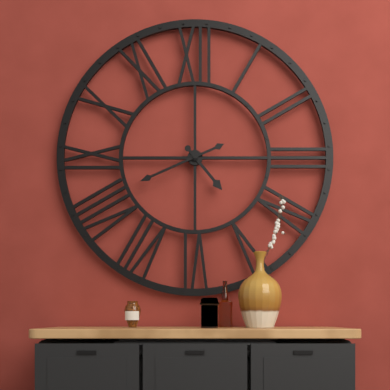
4:41
